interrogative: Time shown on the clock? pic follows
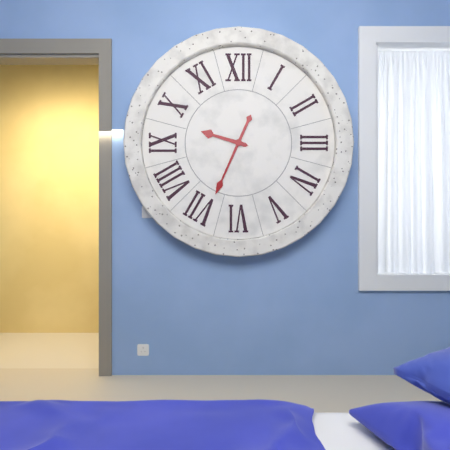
9:34
